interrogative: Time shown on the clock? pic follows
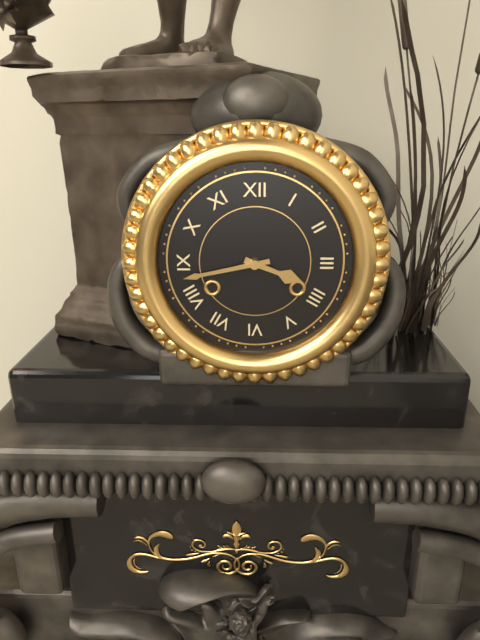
3:43
